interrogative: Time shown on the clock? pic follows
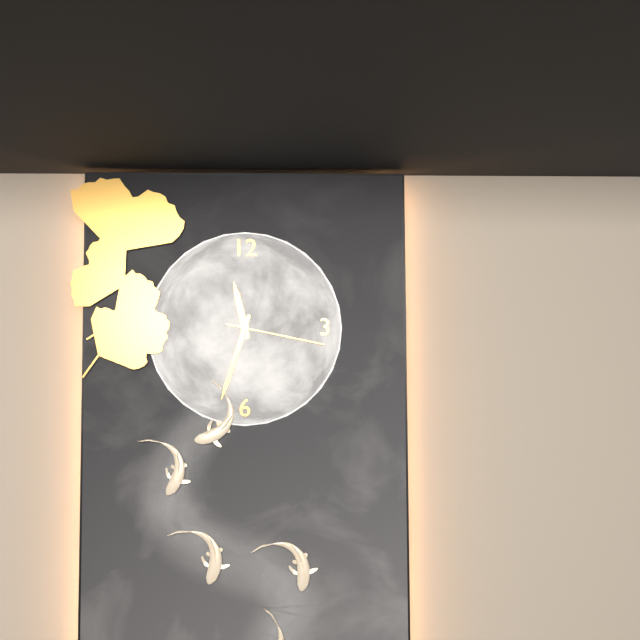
11:33:17
